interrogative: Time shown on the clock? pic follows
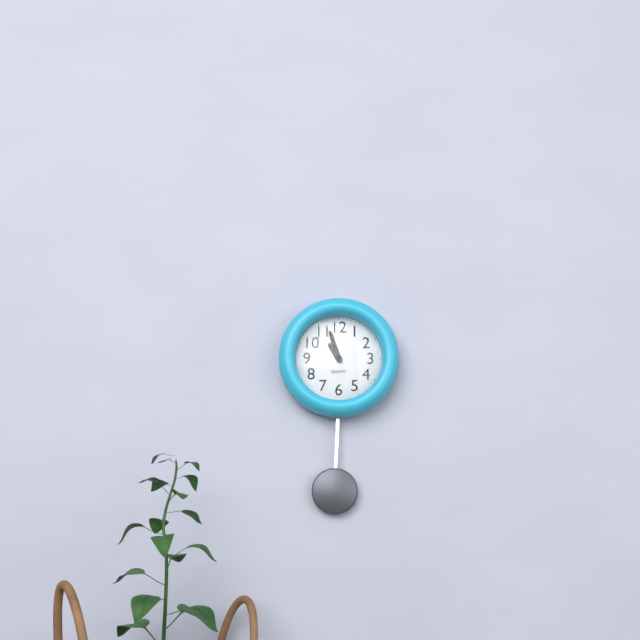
10:57
